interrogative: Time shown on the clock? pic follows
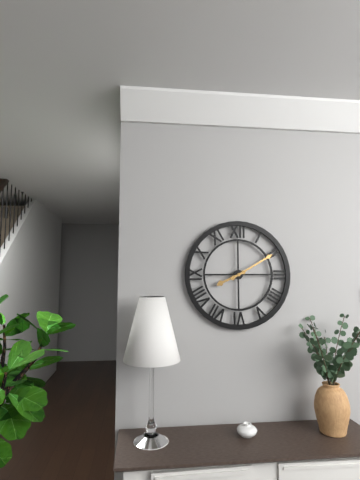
8:10
